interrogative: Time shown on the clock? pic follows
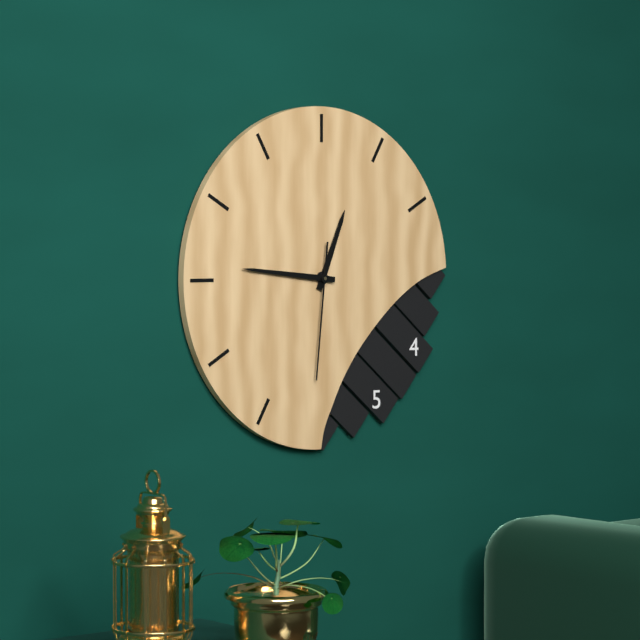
12:46:31
